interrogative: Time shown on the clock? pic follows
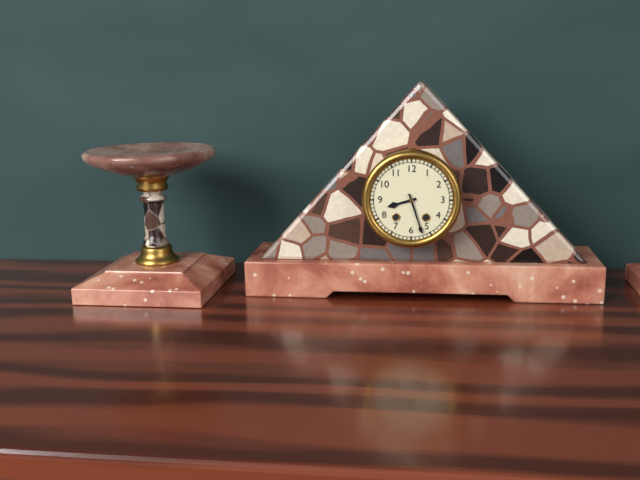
8:27
